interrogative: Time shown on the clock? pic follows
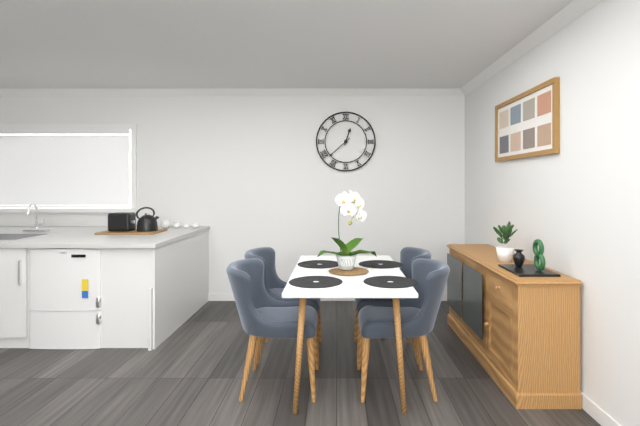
12:38
